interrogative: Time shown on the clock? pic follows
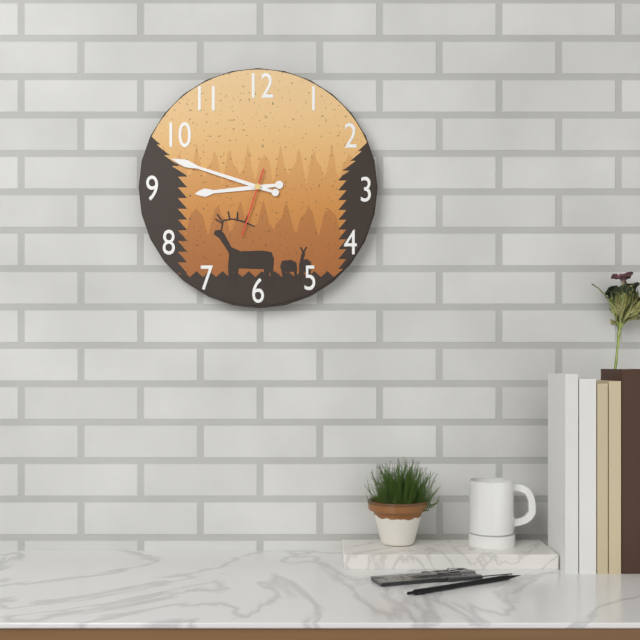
8:48:33
